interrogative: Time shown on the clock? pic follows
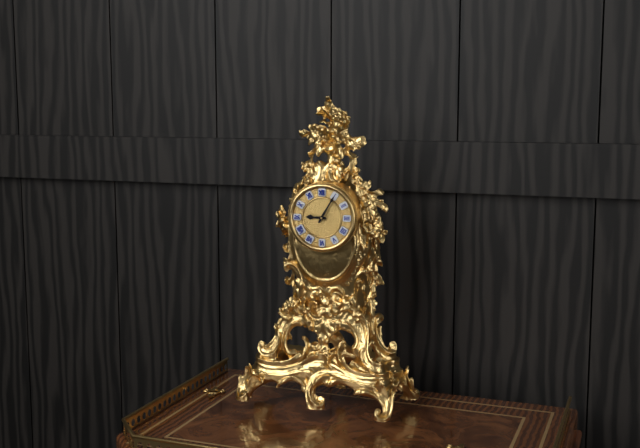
9:05
